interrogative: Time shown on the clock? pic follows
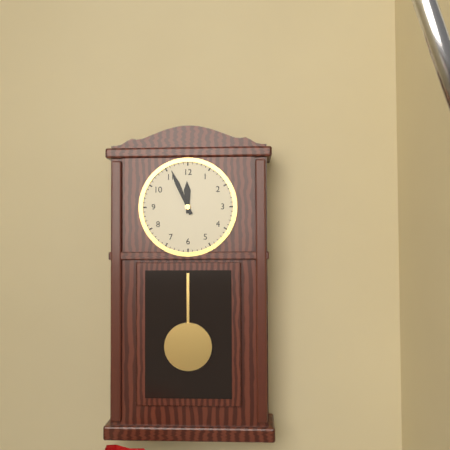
11:56
